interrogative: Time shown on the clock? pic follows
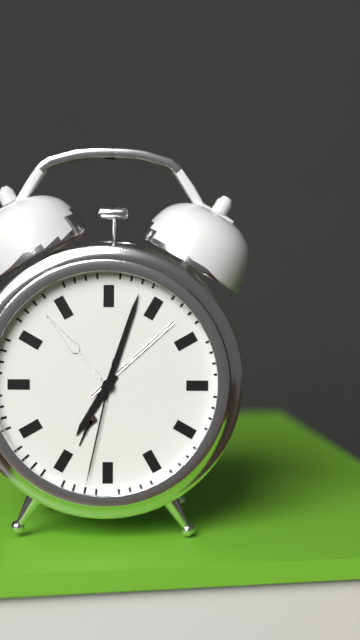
7:03:32
